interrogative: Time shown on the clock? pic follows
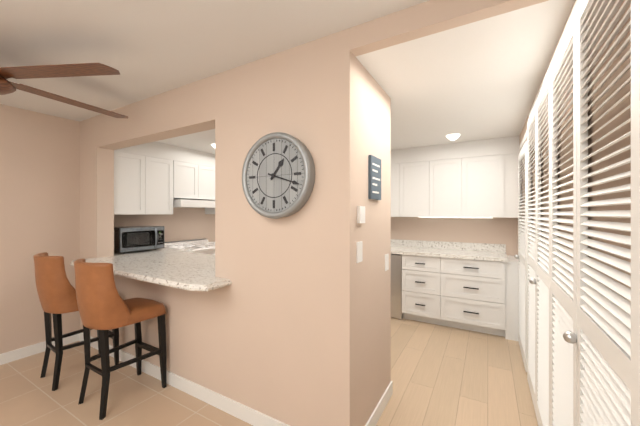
1:18
